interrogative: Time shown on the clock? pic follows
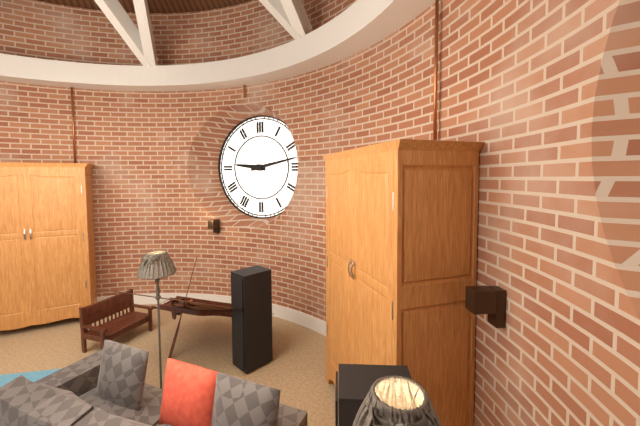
9:13
